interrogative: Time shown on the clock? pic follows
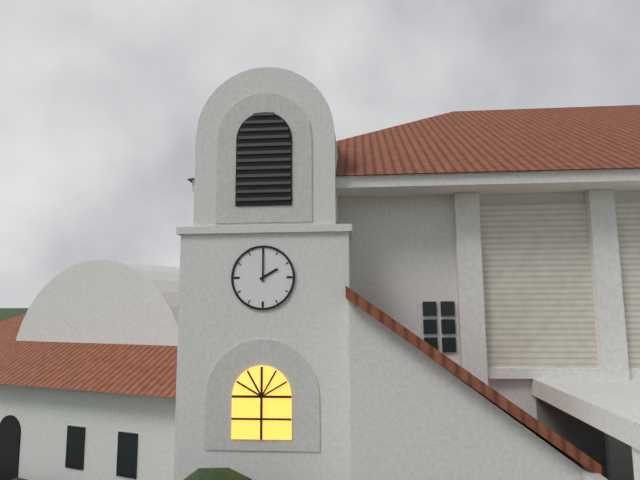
2:00
